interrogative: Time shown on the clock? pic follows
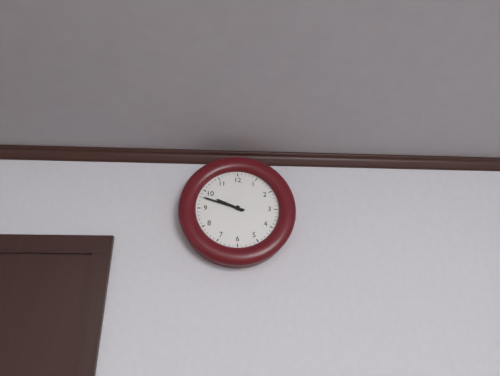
9:48
